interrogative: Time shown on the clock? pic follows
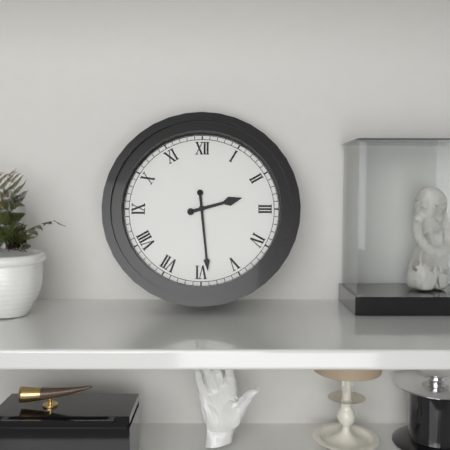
2:29
